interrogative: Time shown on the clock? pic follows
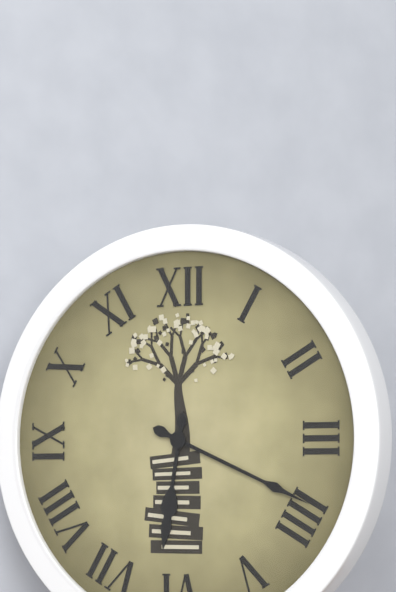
6:19
